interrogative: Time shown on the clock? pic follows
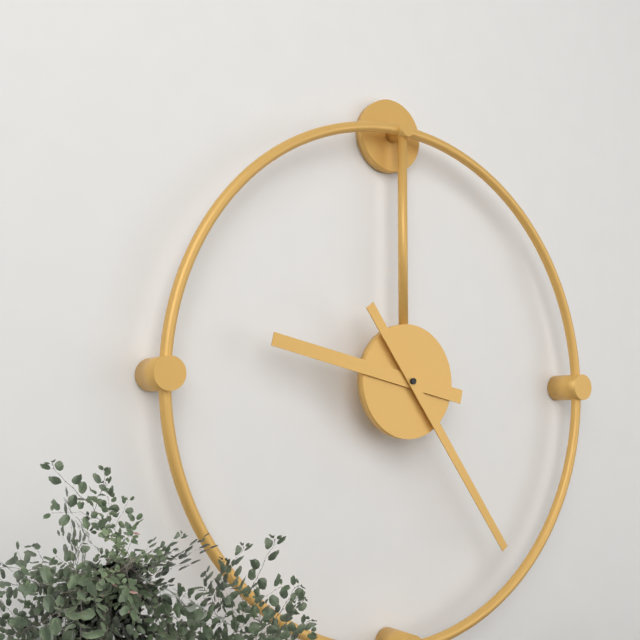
9:24
